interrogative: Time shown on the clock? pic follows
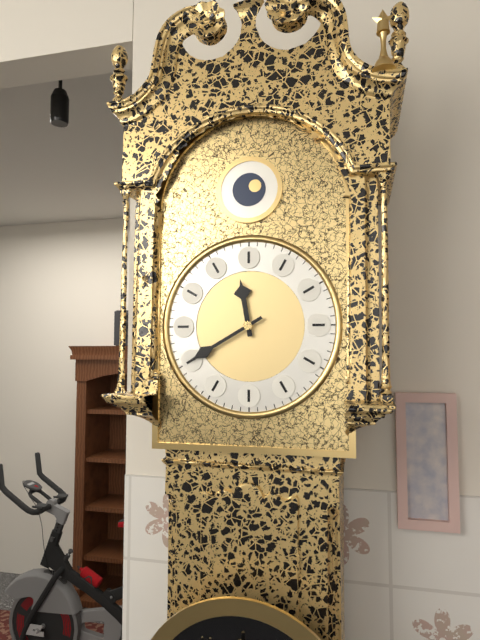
11:40
